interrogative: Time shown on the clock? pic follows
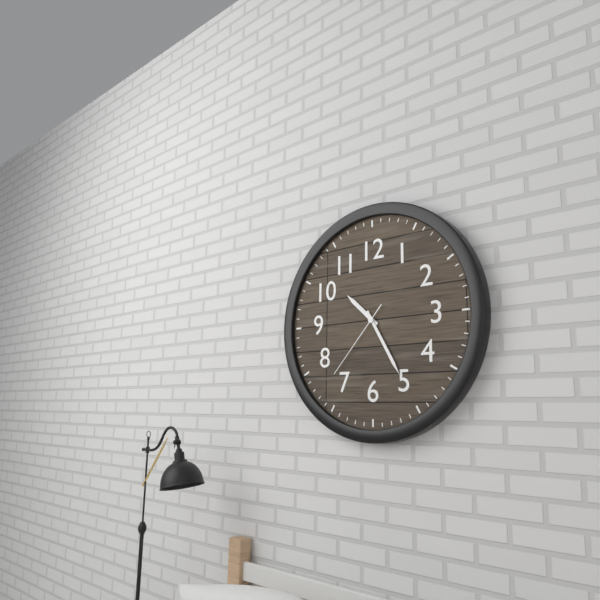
10:25:37
